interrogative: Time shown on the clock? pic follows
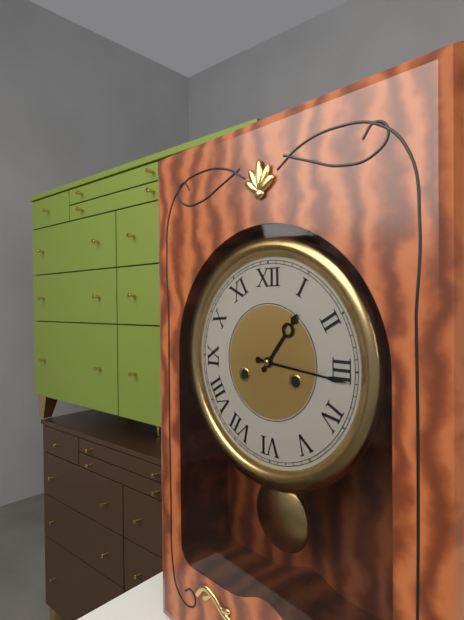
1:16
